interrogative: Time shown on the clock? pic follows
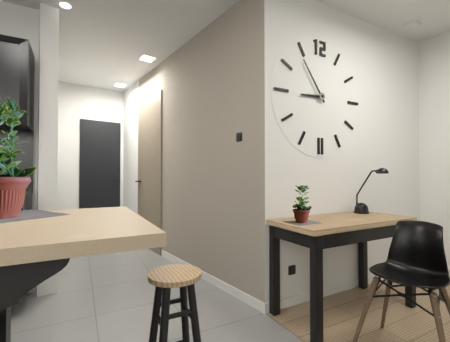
8:54
